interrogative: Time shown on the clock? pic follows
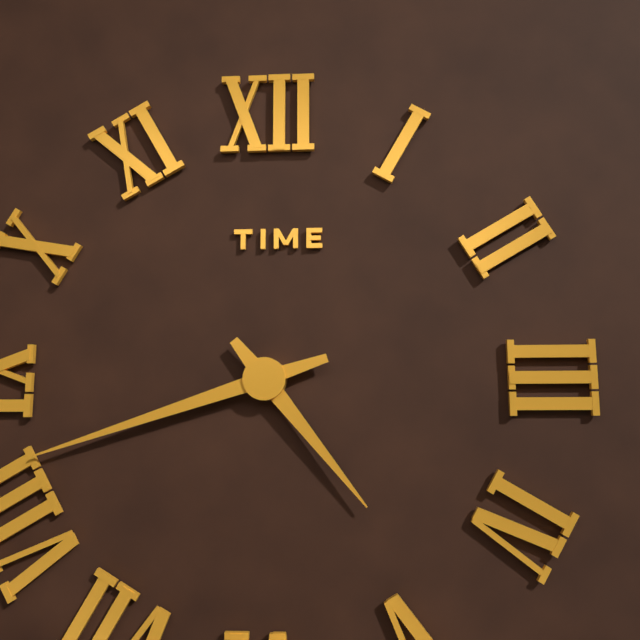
4:42
